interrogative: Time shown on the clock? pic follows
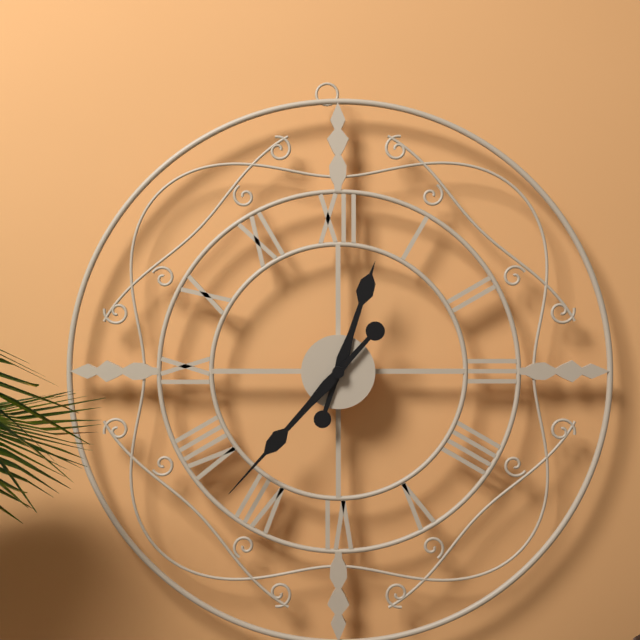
12:37
